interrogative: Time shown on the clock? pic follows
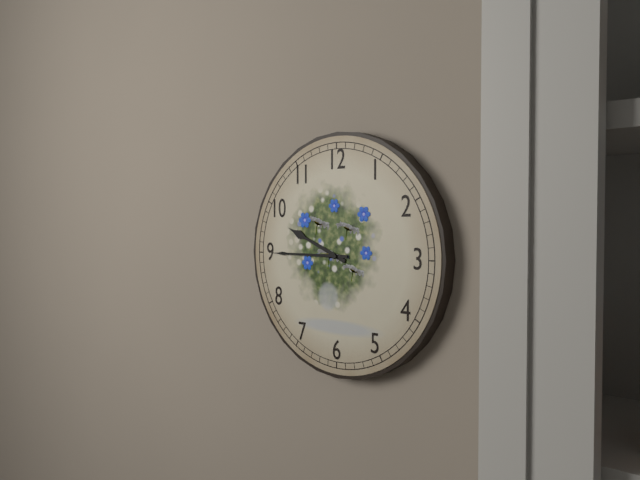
9:45
